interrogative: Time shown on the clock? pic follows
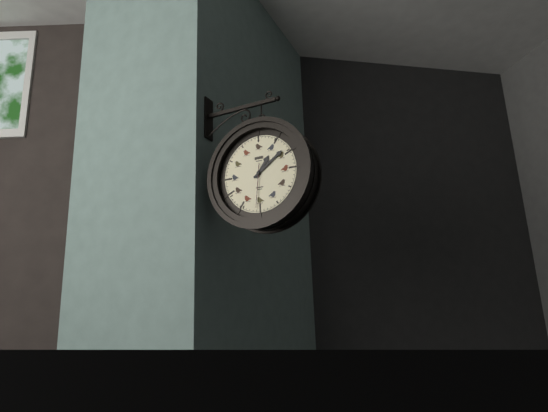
1:09
